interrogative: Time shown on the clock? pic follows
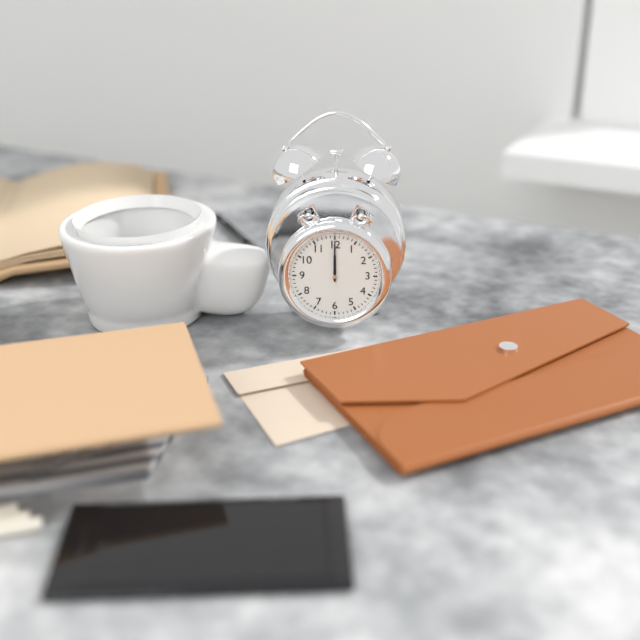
12:00
